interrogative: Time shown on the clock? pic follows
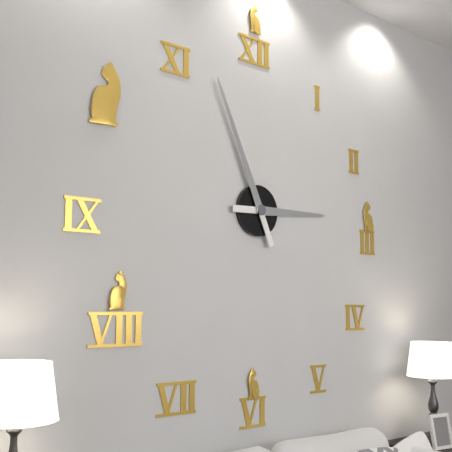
2:56
